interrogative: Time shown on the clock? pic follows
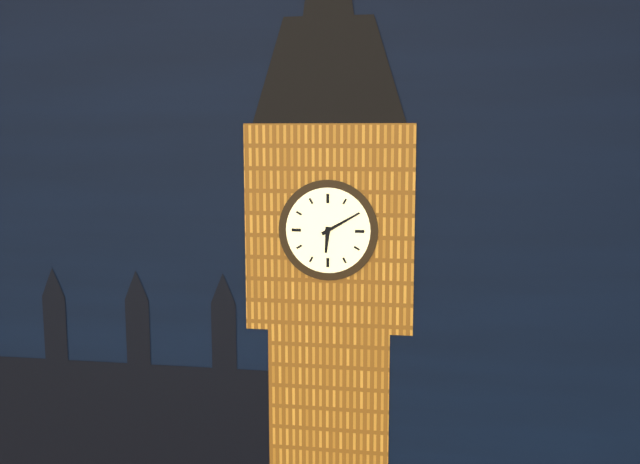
6:10
